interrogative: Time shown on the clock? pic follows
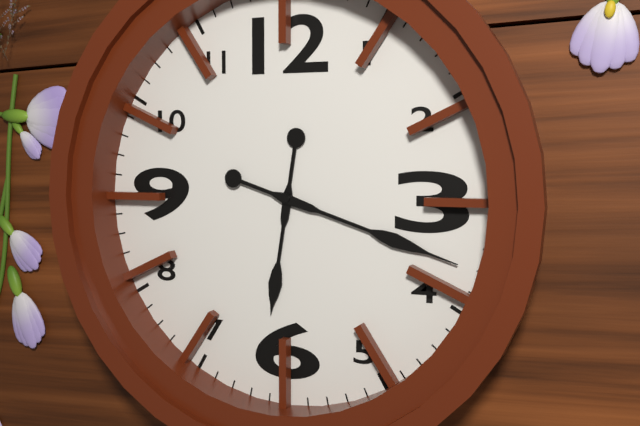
6:18
